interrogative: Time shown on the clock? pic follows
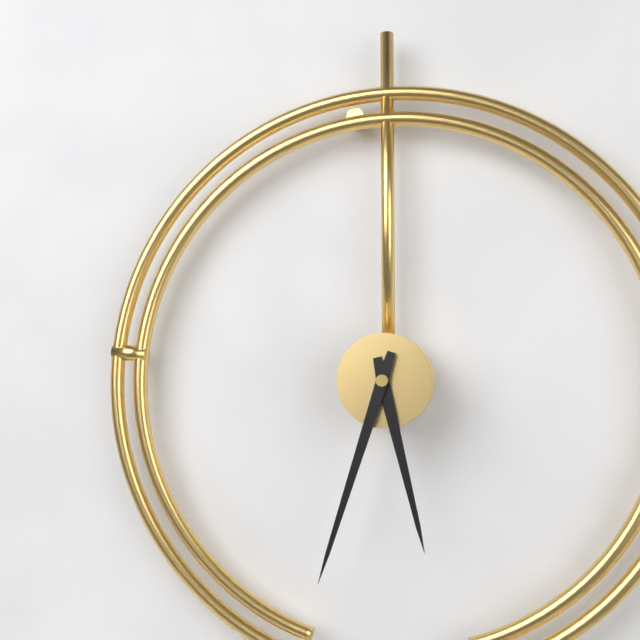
5:33
